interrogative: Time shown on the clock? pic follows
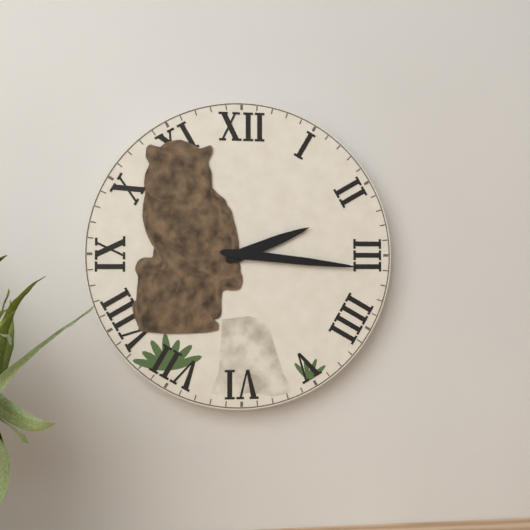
2:16
